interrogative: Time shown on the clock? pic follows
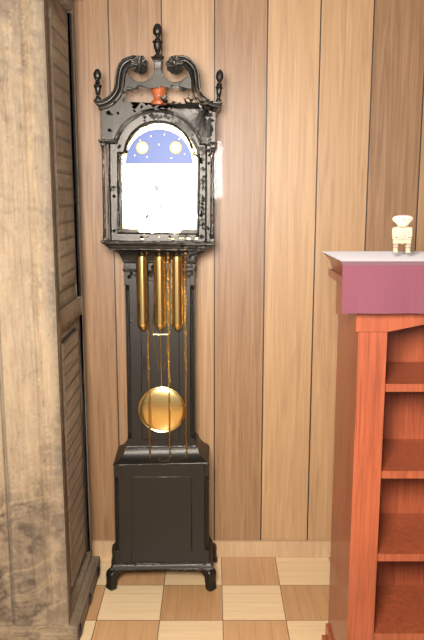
11:37
